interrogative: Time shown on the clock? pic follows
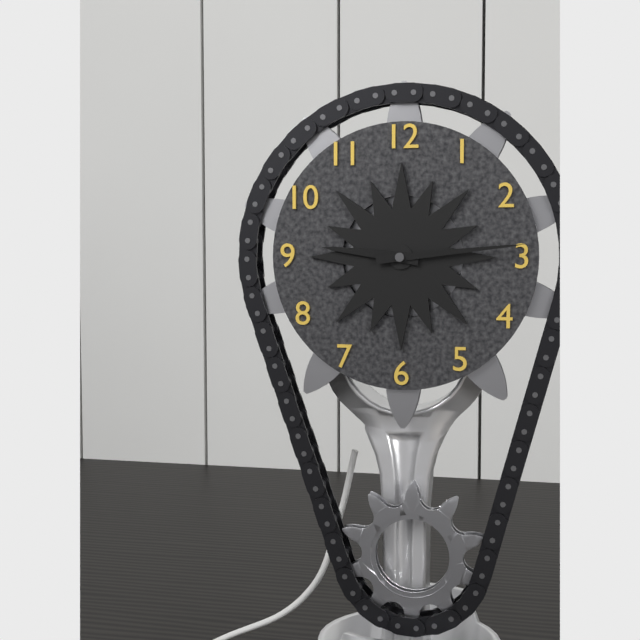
9:14
